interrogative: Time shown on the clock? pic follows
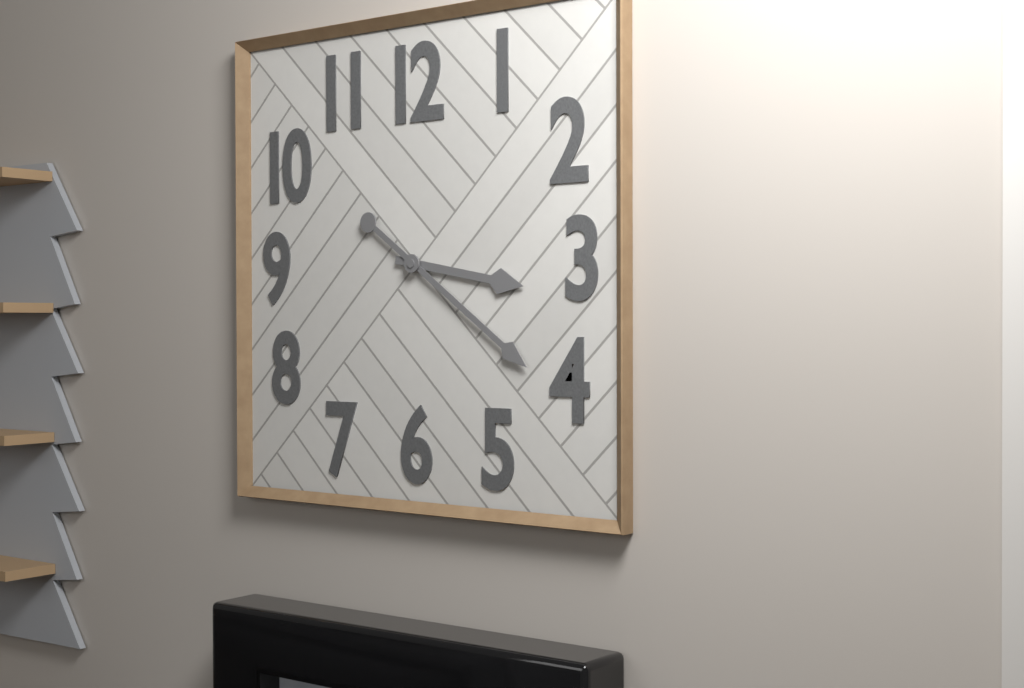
3:21
